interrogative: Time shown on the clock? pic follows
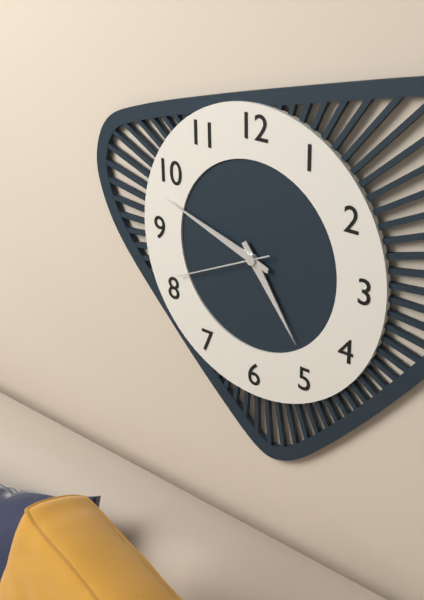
4:48:41
